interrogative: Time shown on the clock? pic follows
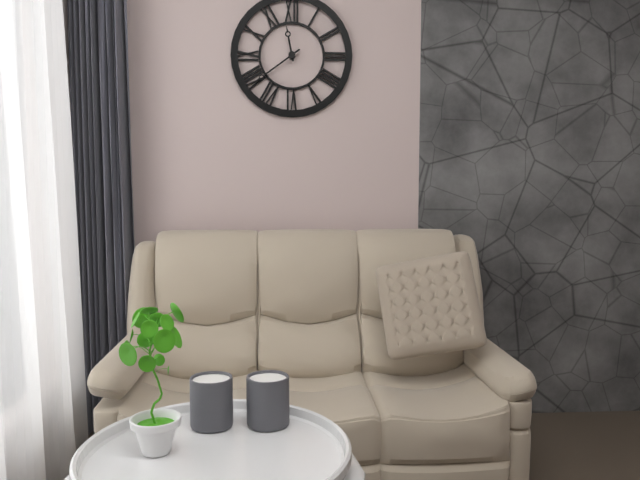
11:39
